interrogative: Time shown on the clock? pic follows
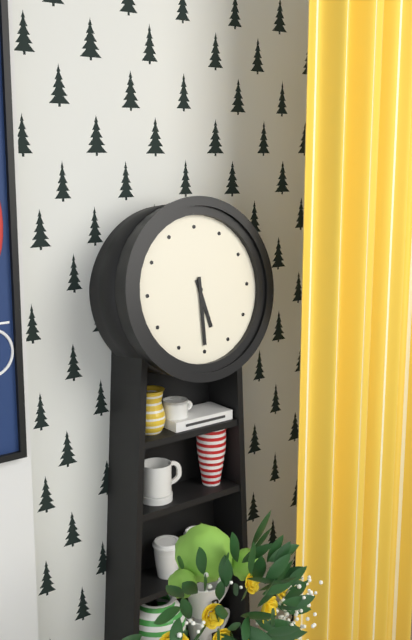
5:30
